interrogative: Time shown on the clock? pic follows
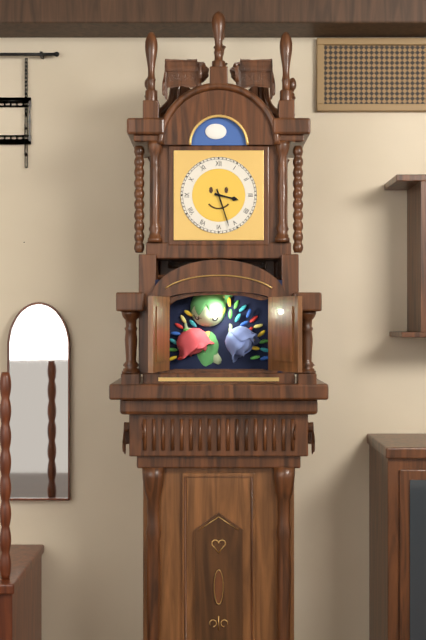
3:27
